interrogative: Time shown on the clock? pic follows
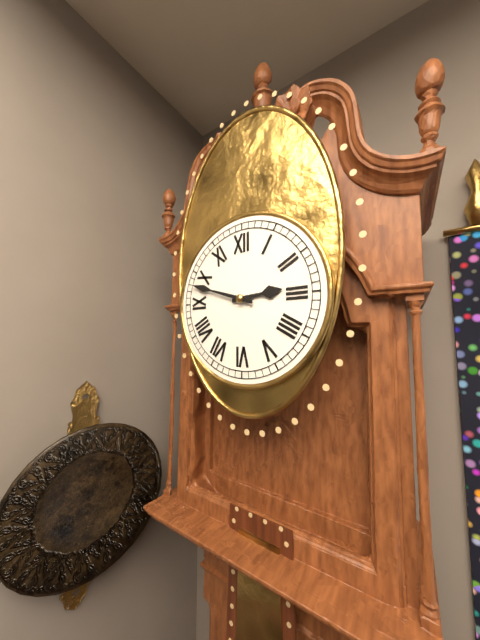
2:48
